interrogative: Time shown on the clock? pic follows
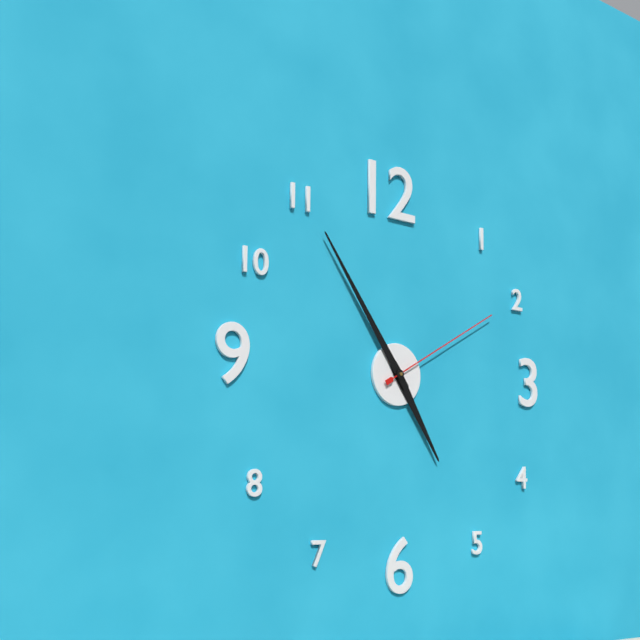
4:54:10
